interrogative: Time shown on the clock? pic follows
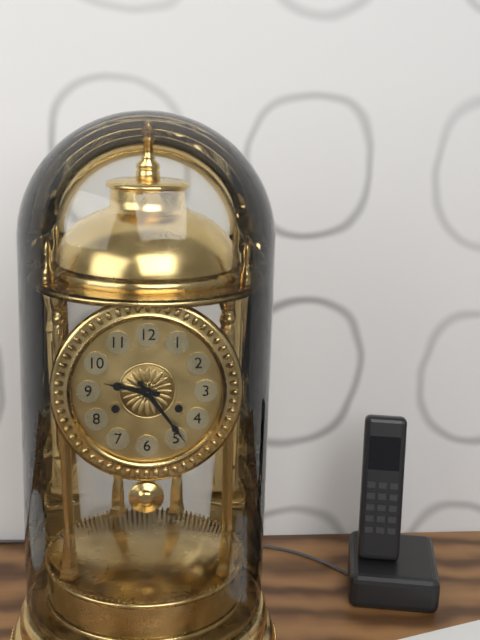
9:24
